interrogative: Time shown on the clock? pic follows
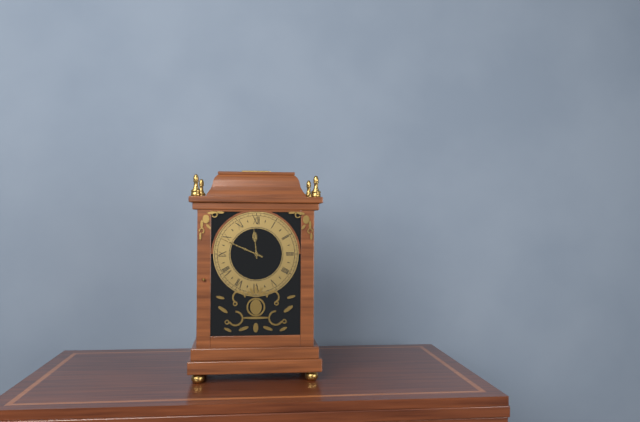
11:49
